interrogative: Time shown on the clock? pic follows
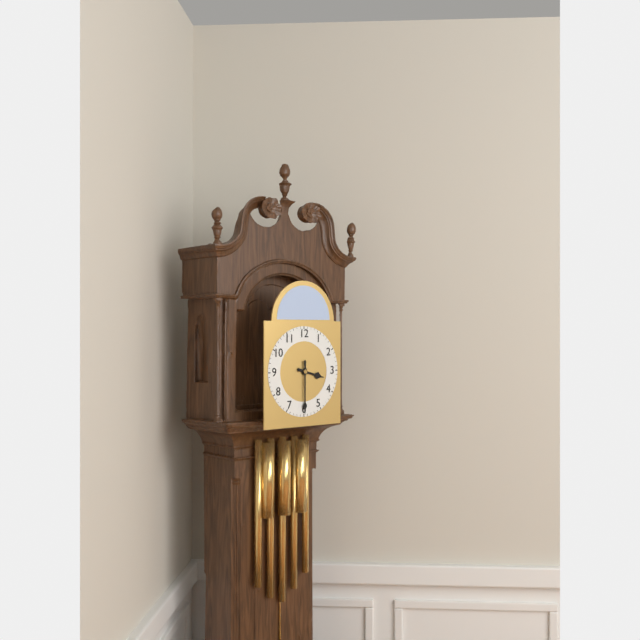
3:30
